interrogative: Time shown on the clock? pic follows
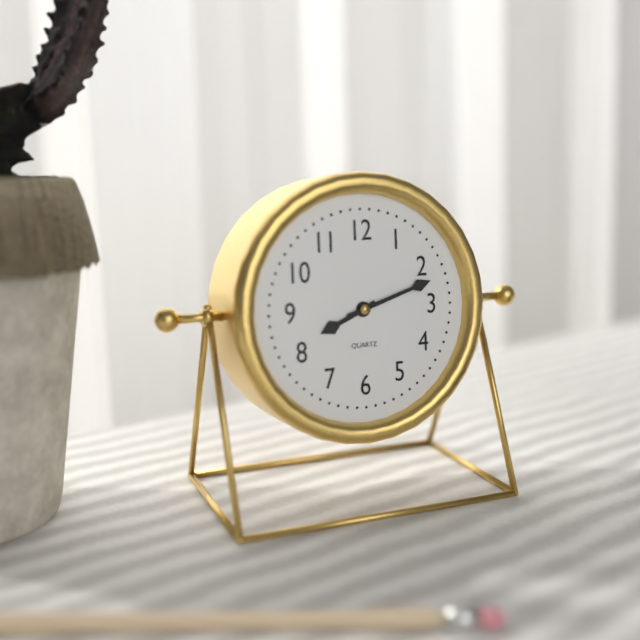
8:12
